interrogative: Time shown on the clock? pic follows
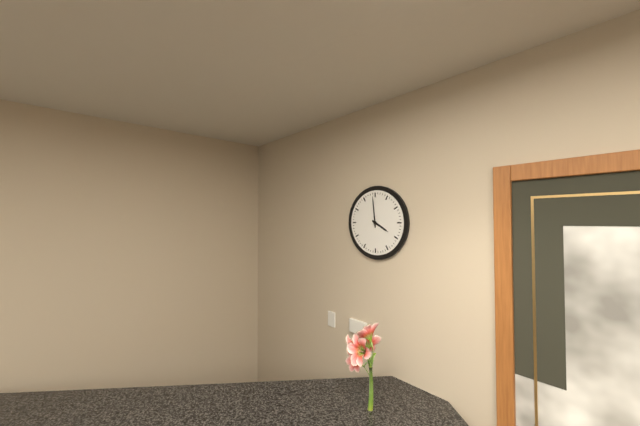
3:59
